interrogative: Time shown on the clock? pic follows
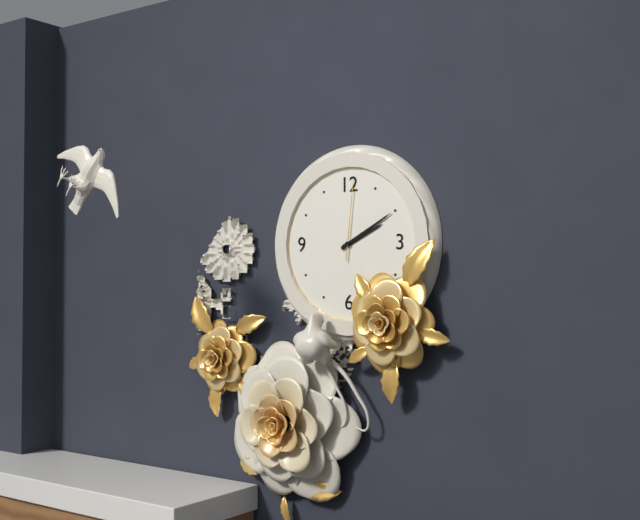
2:10:01
